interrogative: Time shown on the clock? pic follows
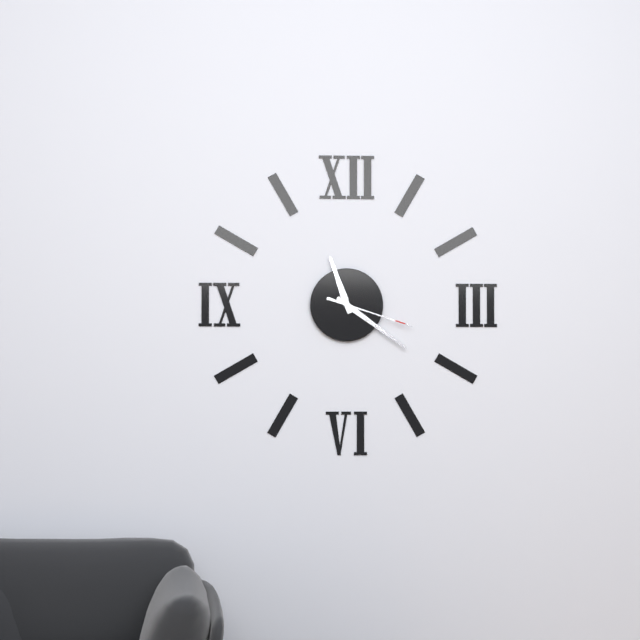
11:21:18
